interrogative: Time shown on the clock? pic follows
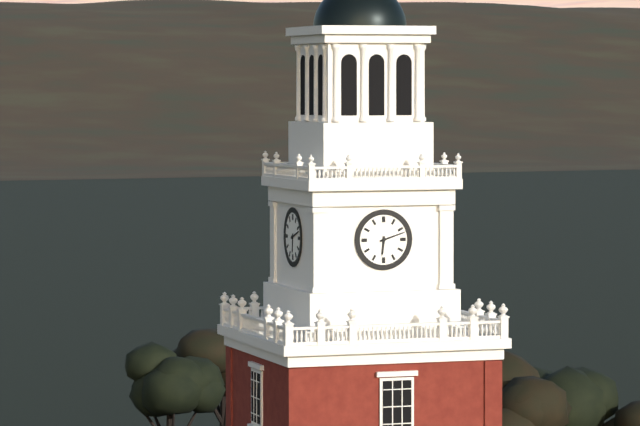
6:12
